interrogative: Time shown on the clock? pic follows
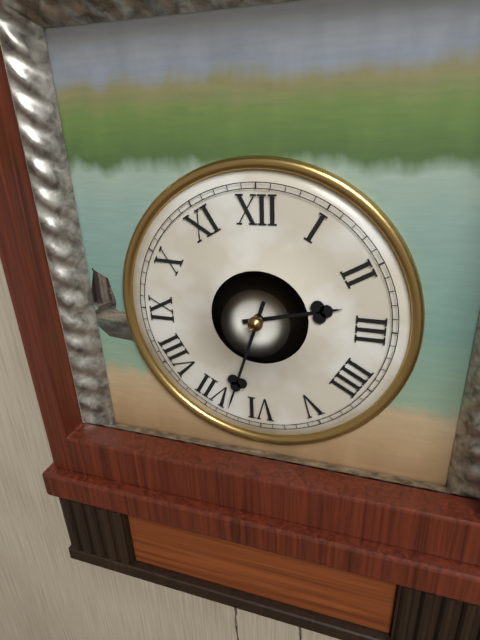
2:33
